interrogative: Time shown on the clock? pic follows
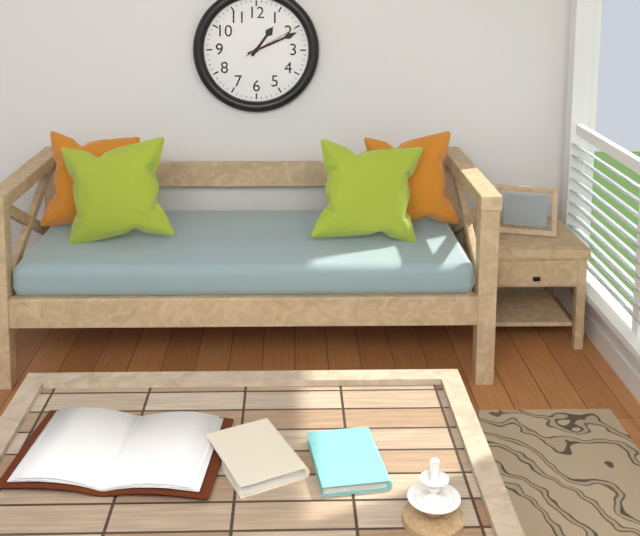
1:11:10
